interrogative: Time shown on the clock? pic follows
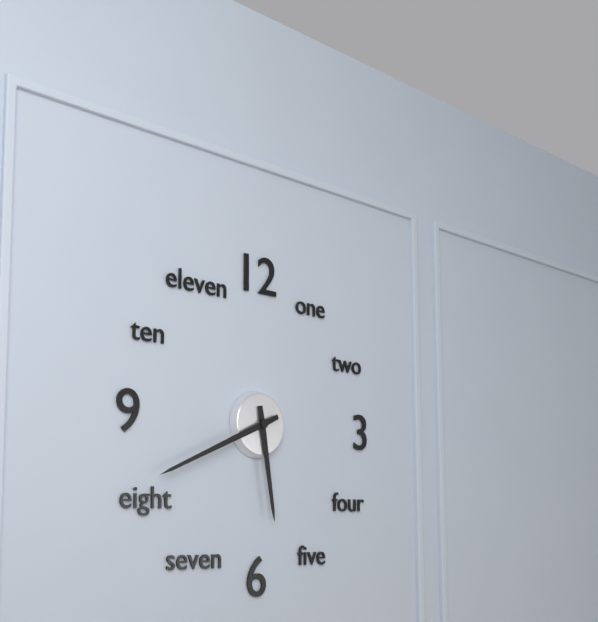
5:41
